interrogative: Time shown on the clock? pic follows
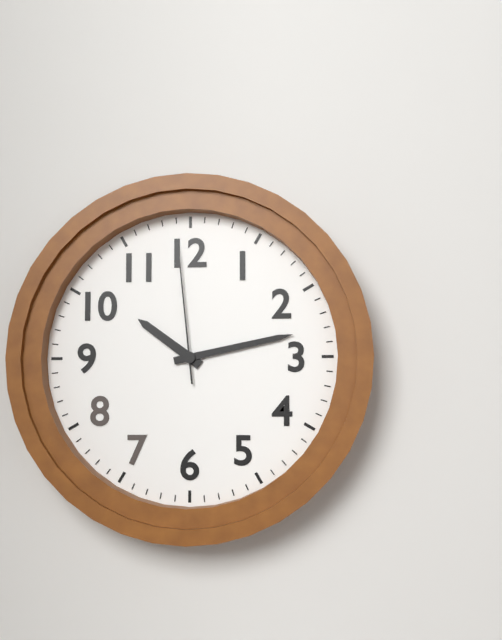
10:13:59
